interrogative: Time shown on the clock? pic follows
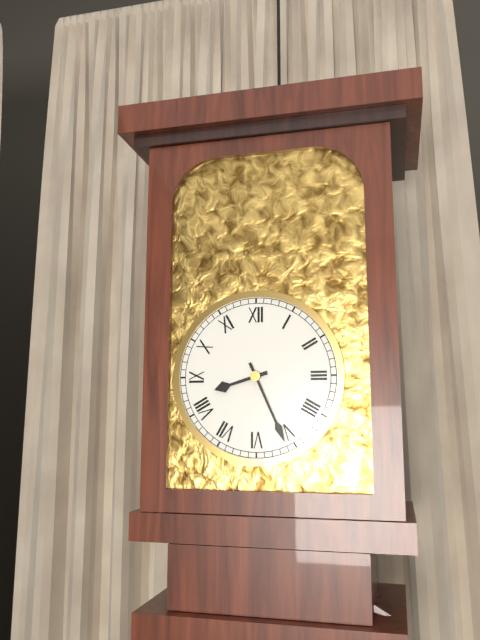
8:26
